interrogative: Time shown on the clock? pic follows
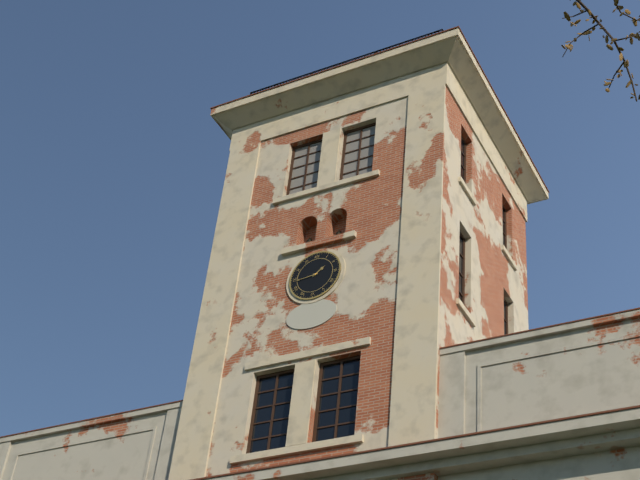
1:44
